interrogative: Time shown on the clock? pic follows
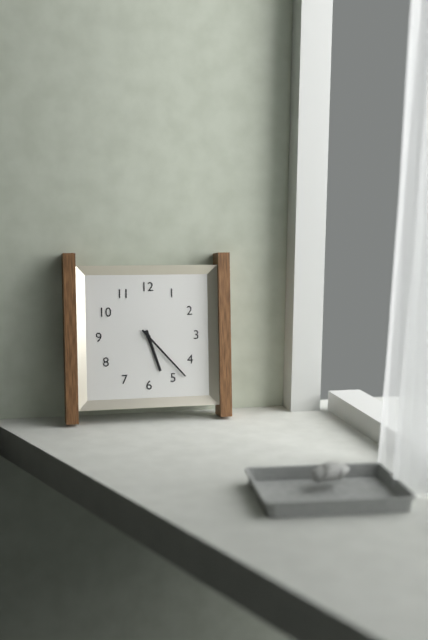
5:23
